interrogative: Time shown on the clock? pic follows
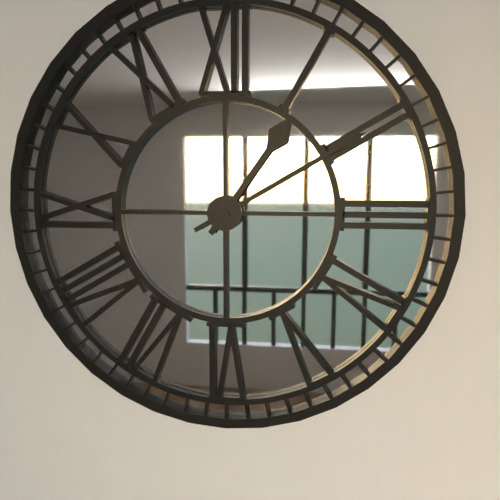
1:10
